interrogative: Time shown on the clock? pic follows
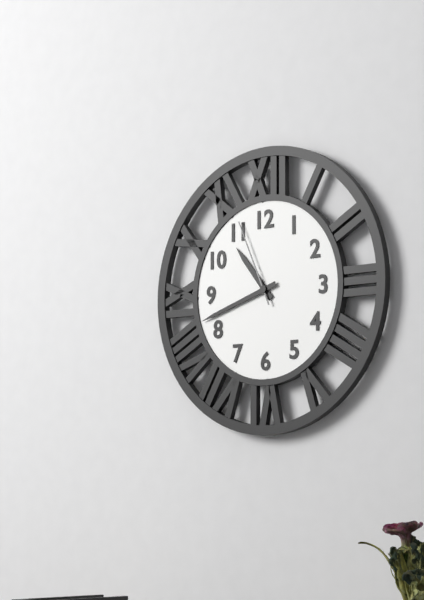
10:42:56
